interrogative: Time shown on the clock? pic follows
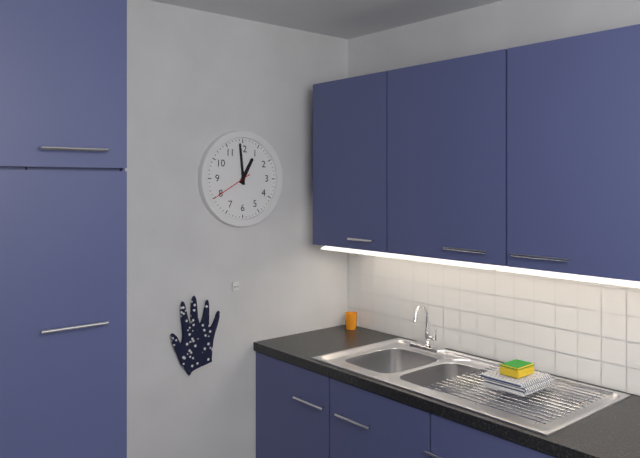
12:59
